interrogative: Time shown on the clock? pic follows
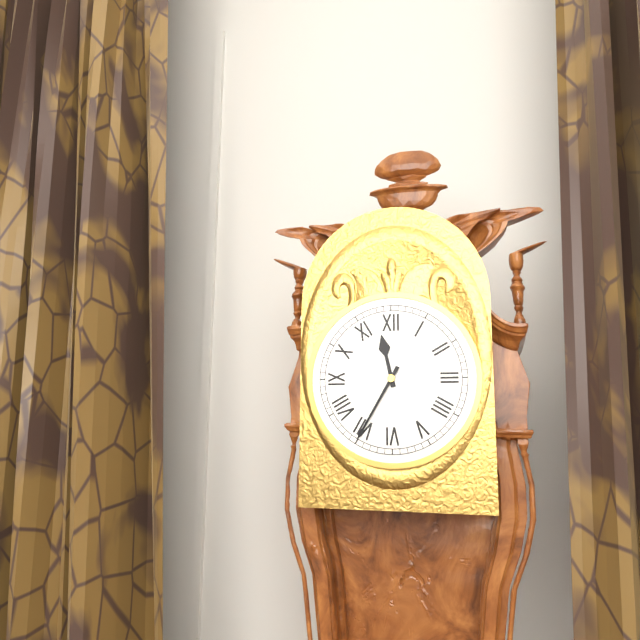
11:35
